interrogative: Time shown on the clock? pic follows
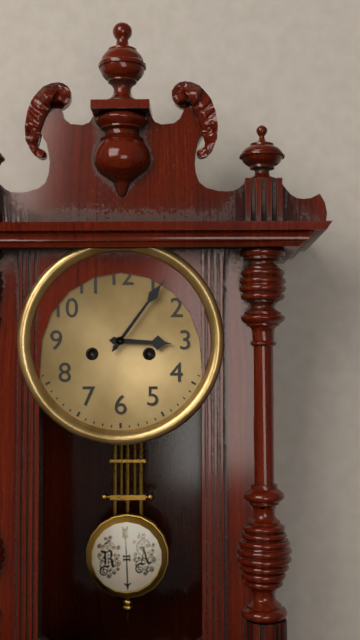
3:06
